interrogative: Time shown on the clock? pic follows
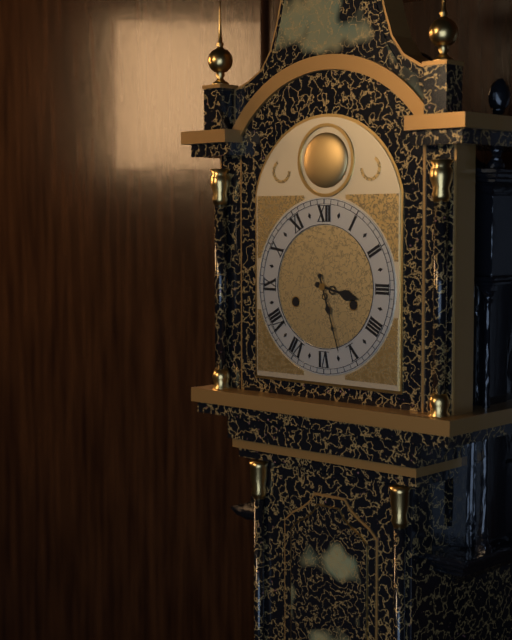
3:27
